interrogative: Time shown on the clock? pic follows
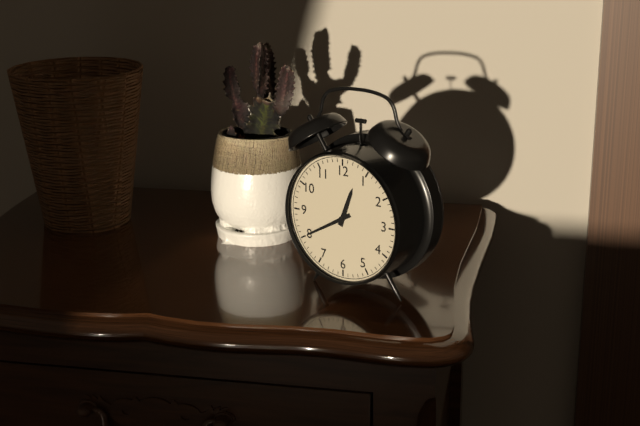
12:40
